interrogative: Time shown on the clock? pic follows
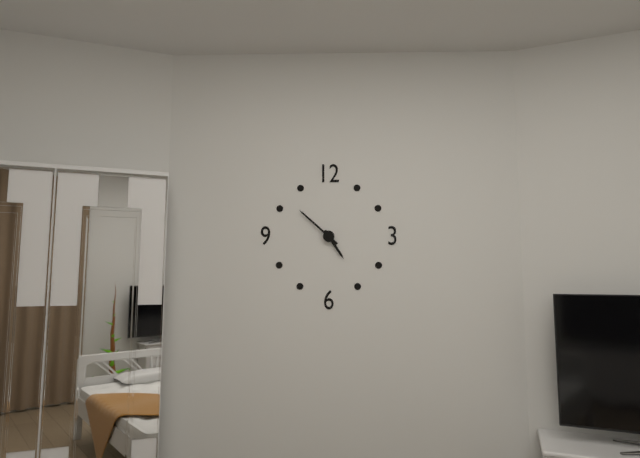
4:52
